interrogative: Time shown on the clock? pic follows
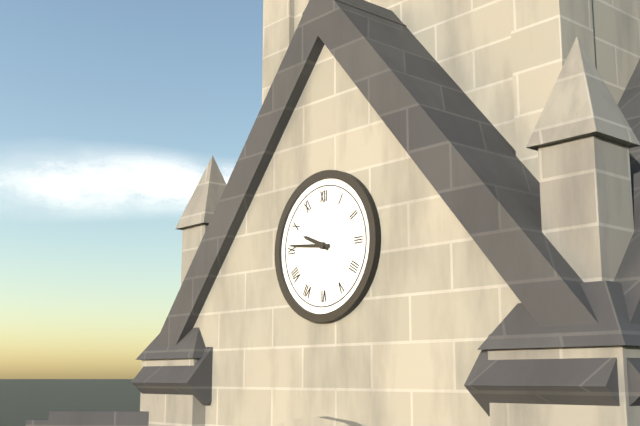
9:46
